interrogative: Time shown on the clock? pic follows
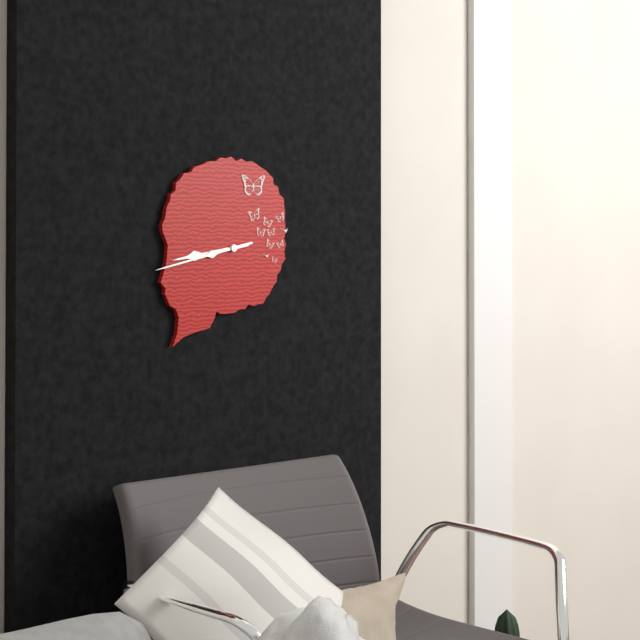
8:43
